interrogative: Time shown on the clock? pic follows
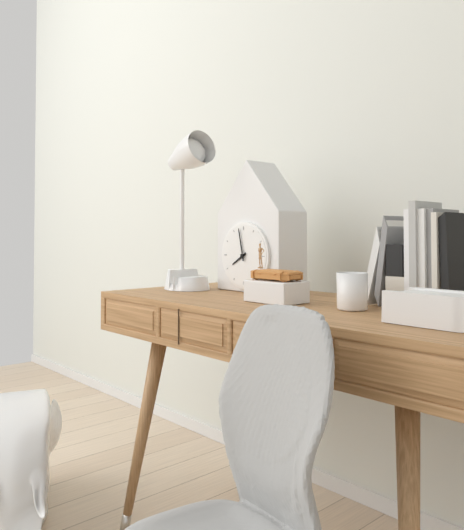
7:58
